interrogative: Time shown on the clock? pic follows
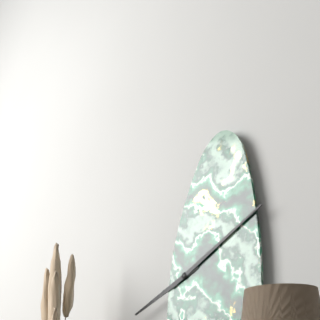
8:10
